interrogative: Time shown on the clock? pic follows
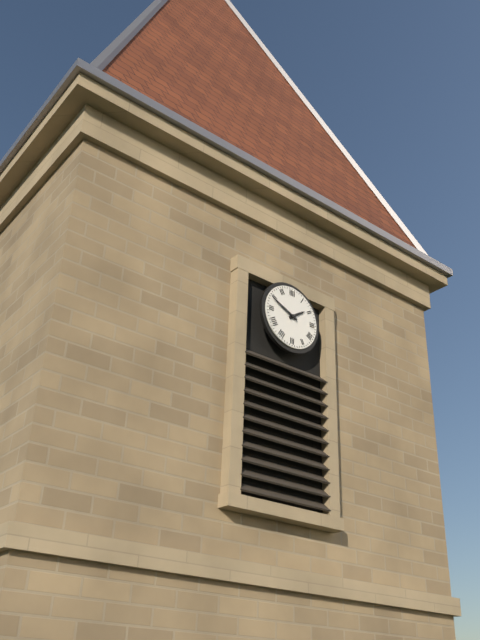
1:49
